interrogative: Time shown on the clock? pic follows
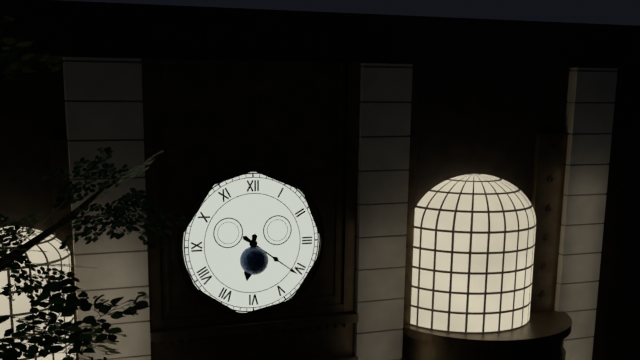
6:21
